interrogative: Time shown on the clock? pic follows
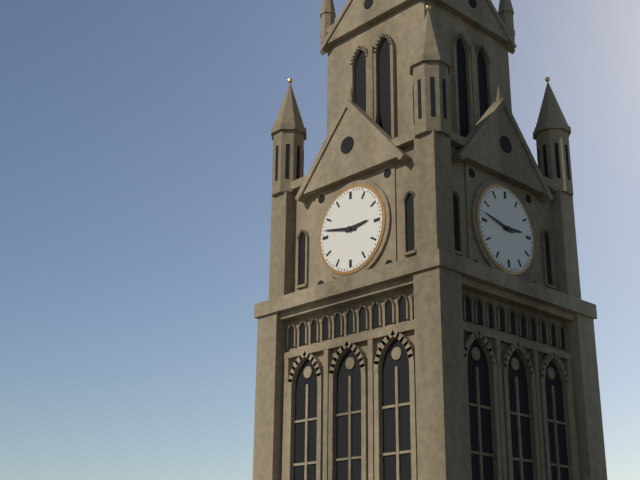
2:47
